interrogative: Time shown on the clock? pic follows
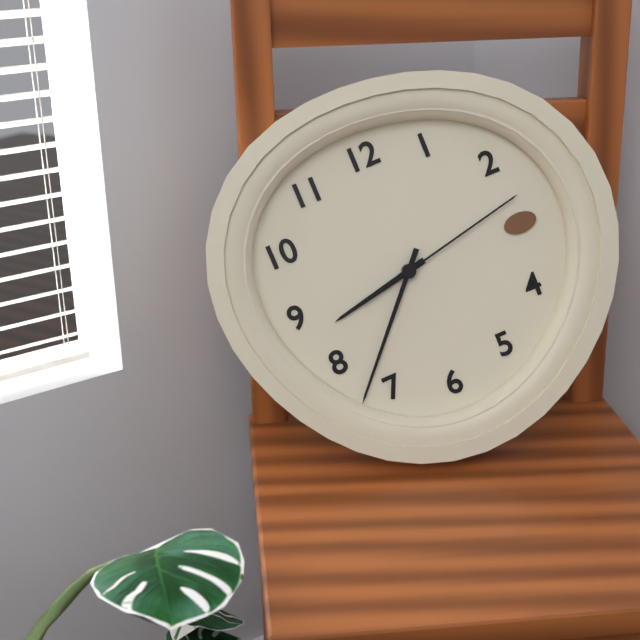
8:37:13
